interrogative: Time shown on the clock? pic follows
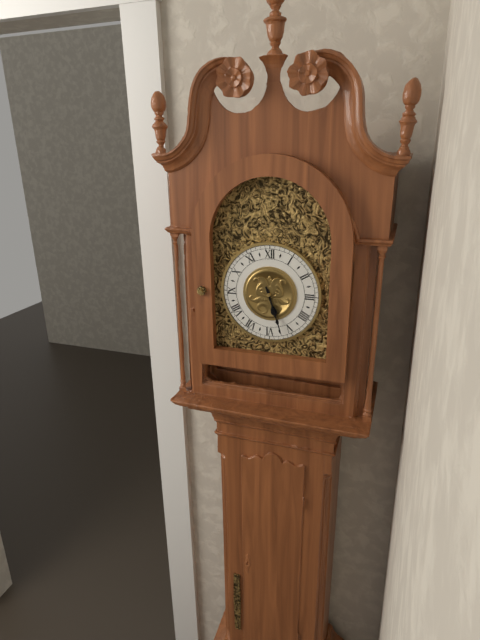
5:27
